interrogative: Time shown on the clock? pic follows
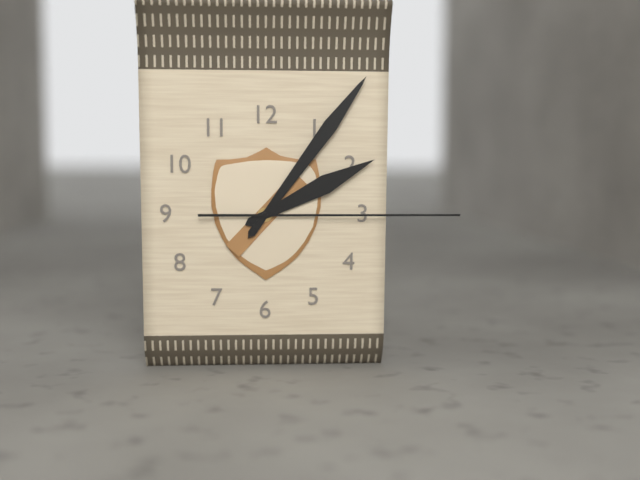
2:06:15
